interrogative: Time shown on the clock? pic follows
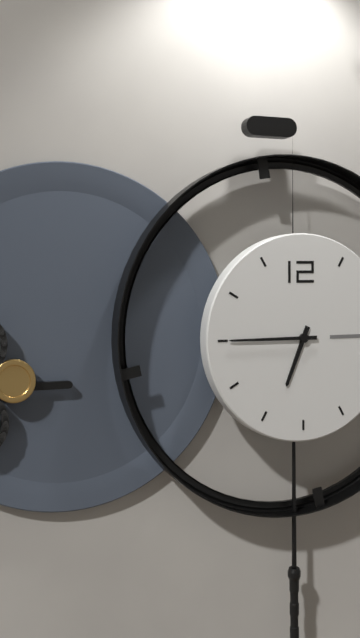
6:45
